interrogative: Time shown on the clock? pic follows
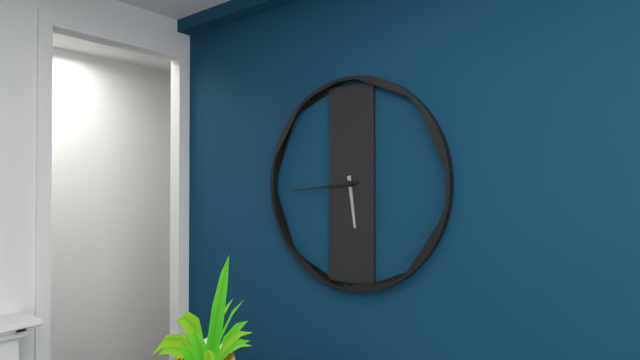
5:44
